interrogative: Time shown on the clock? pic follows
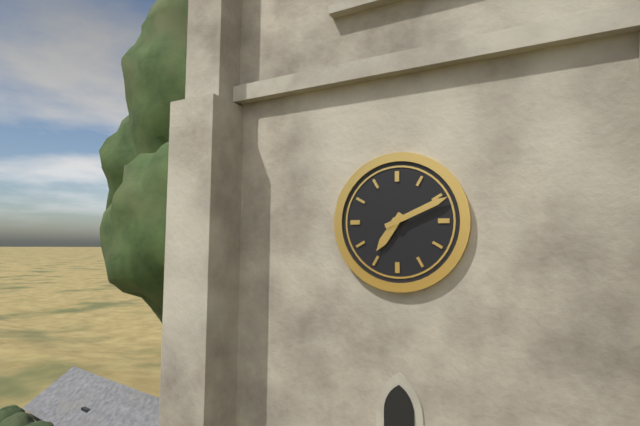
7:11
